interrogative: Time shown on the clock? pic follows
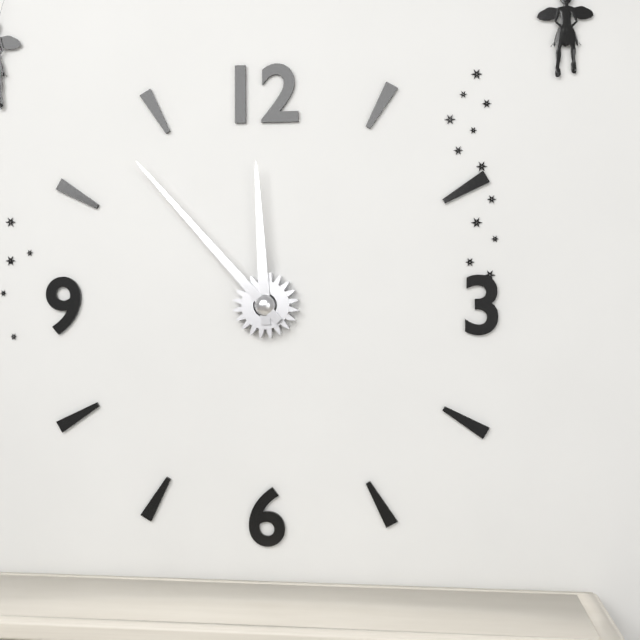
11:53
